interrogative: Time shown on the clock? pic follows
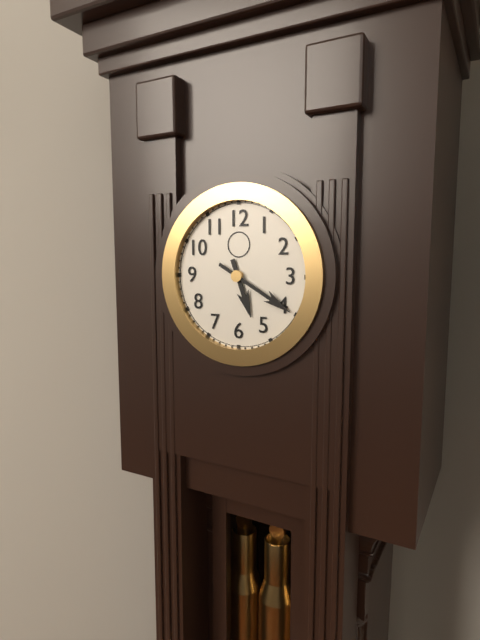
5:20
